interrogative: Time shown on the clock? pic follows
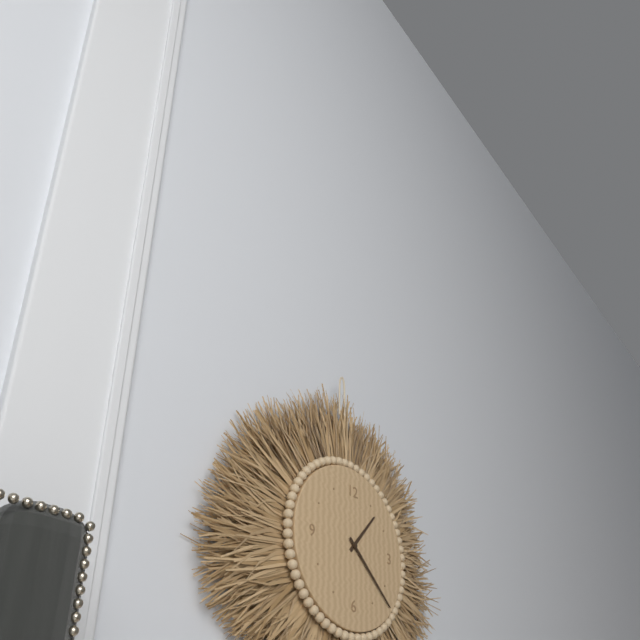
1:22
